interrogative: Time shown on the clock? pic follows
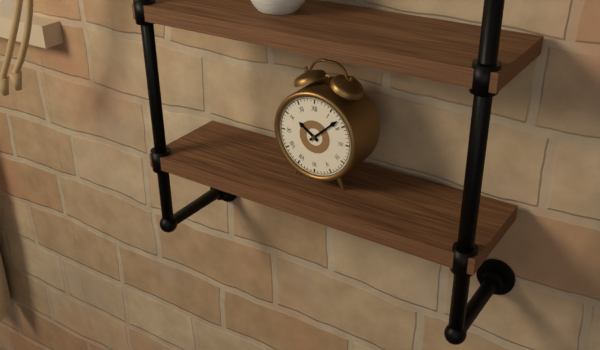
10:08
